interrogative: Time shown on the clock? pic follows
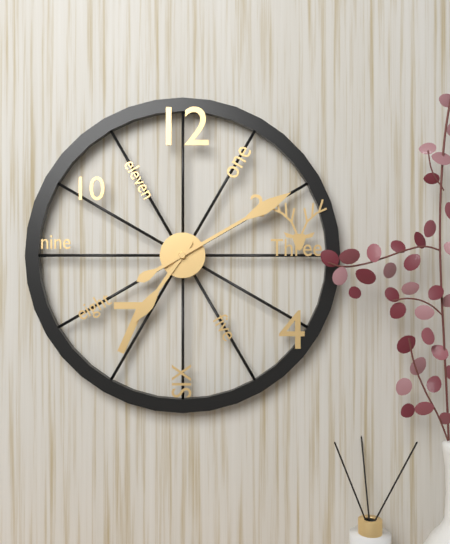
7:10
